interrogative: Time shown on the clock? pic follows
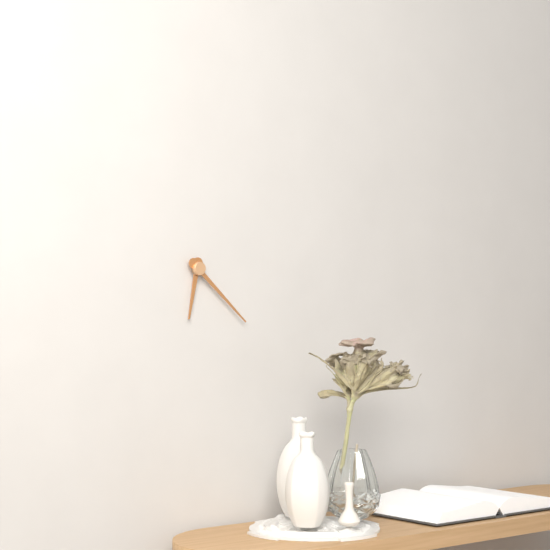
6:22
